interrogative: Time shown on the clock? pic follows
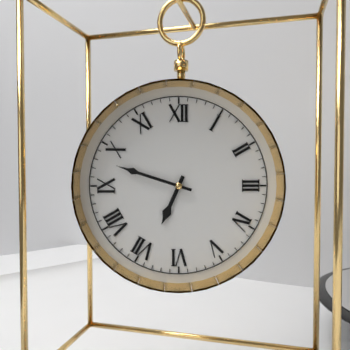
6:48
